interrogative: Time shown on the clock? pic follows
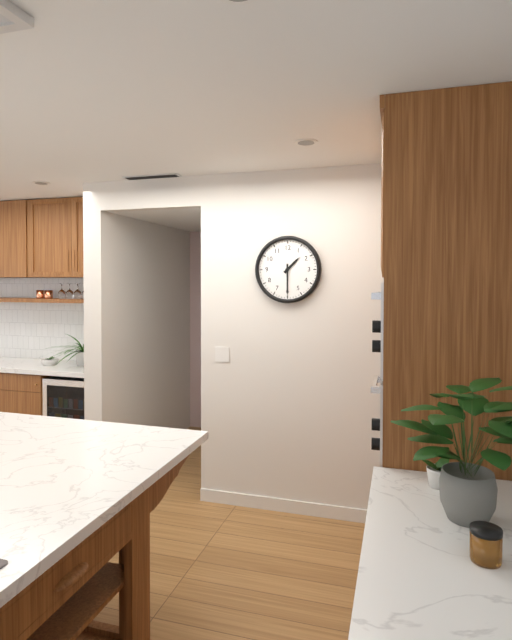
1:30
